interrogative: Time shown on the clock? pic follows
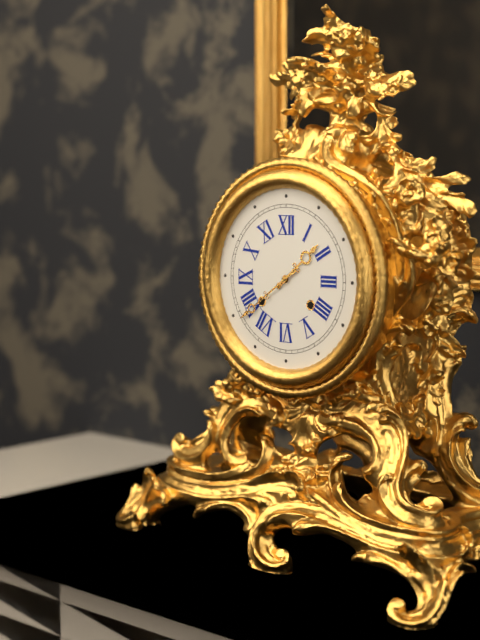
1:39
